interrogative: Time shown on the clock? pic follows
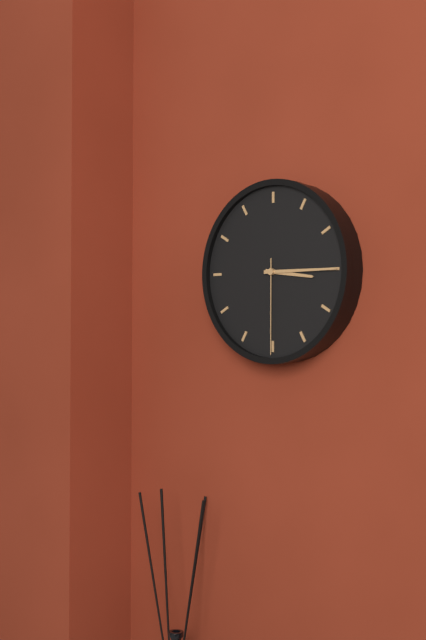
3:15:30
